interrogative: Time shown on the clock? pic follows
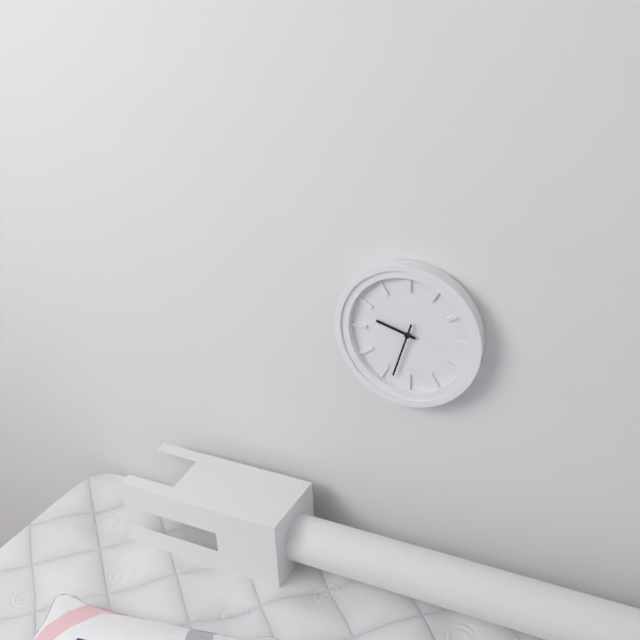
9:33
